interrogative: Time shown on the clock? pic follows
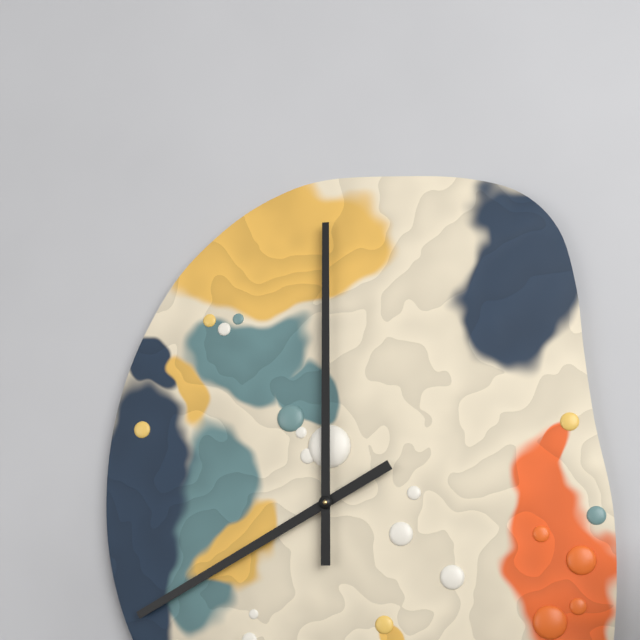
8:00
